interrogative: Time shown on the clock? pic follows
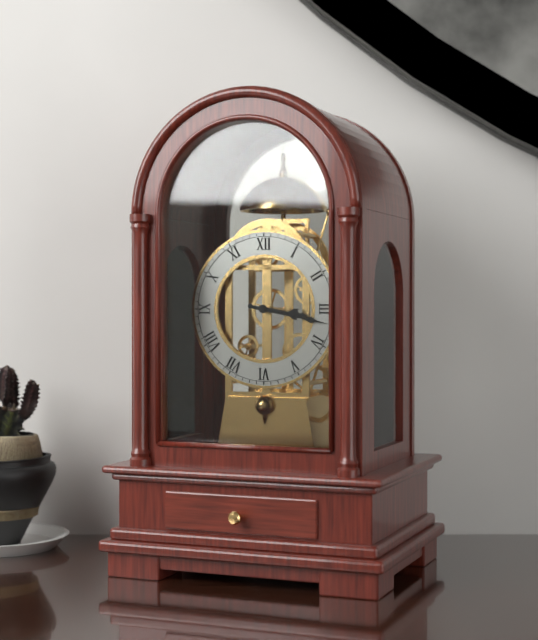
3:17
